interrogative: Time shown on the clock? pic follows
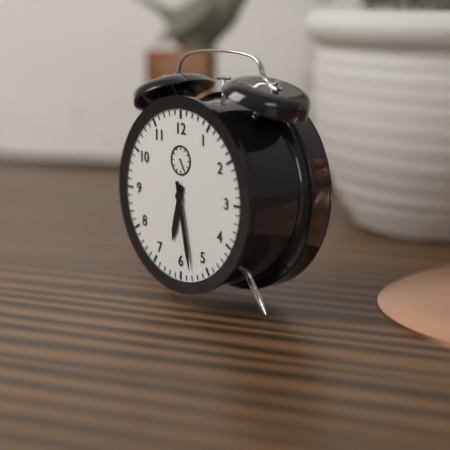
6:28
